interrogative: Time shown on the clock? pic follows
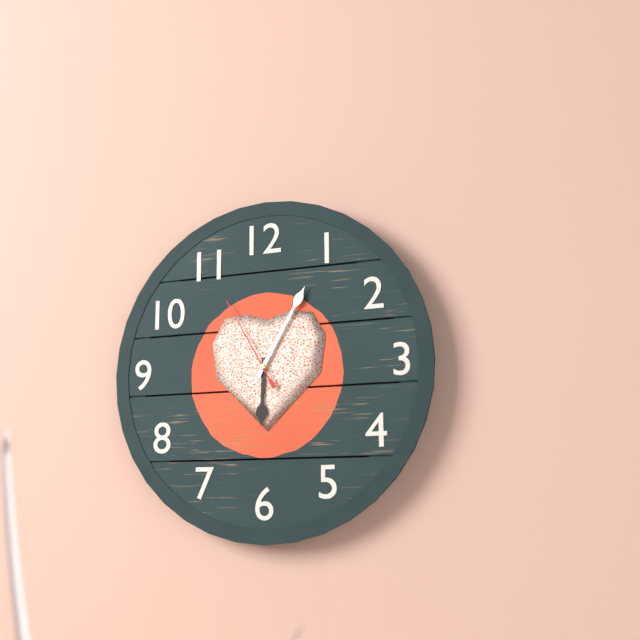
6:05:55
